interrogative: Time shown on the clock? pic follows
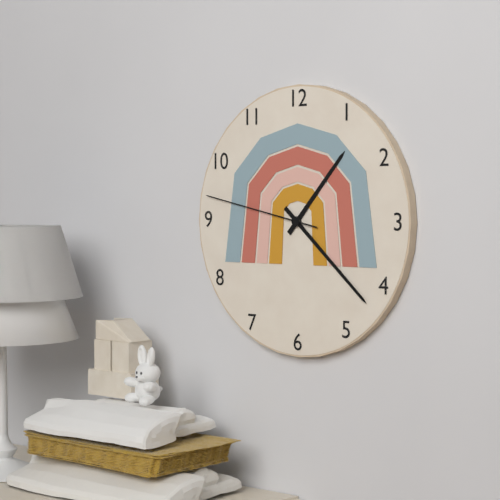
1:22:47
